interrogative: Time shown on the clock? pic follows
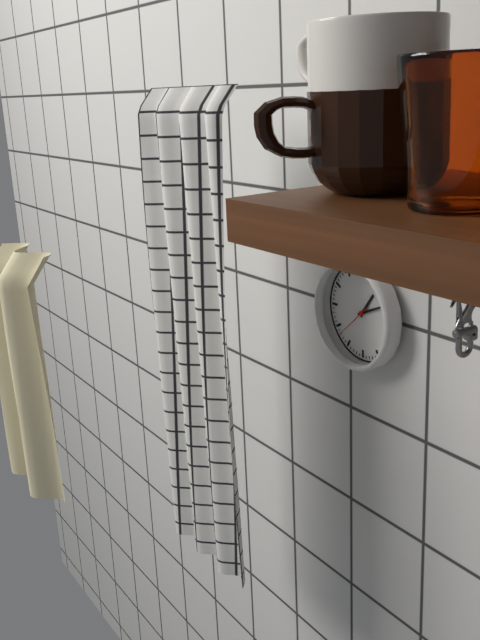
1:11
